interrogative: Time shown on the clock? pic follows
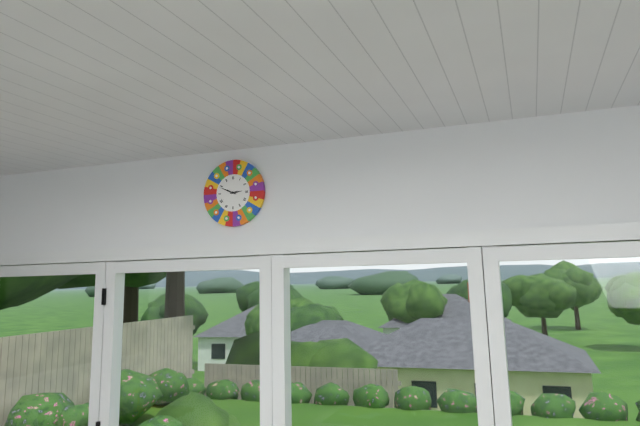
2:49
